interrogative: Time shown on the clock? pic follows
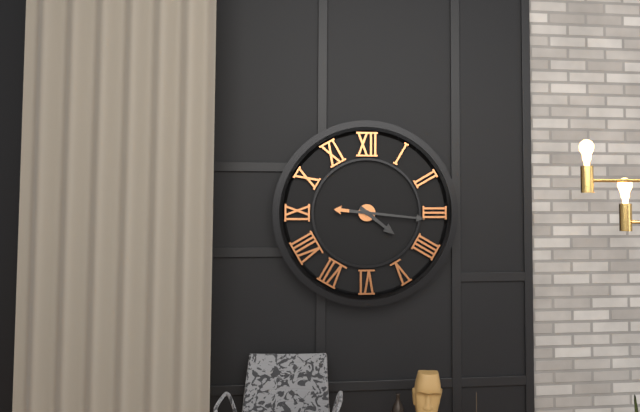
4:16
